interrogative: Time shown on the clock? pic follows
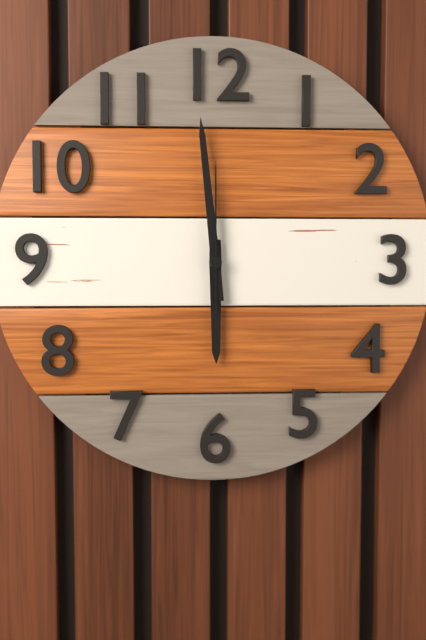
5:59:00
